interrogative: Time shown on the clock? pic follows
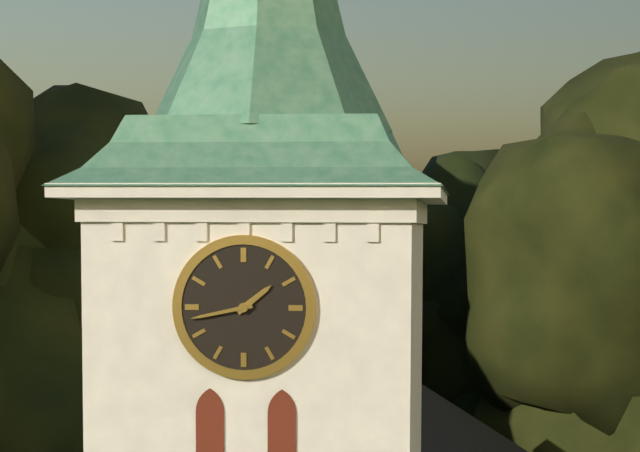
1:43
